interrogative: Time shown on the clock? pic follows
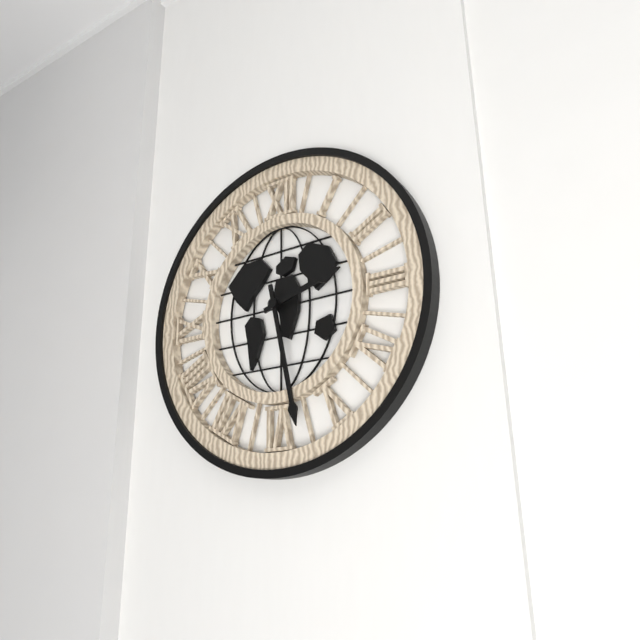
2:28
